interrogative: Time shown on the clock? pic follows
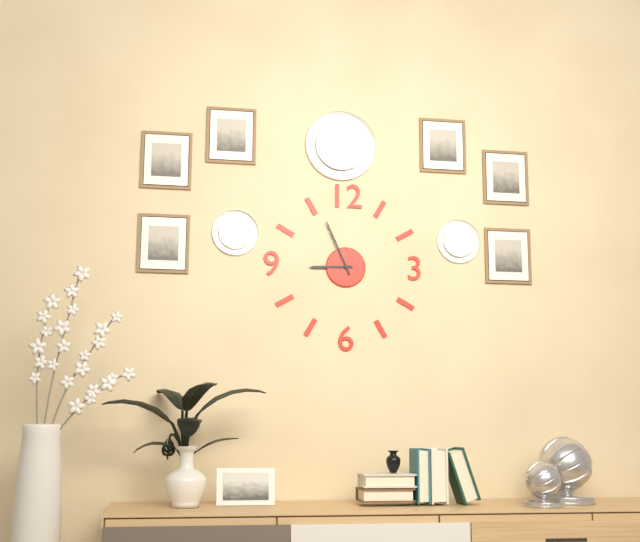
8:56
